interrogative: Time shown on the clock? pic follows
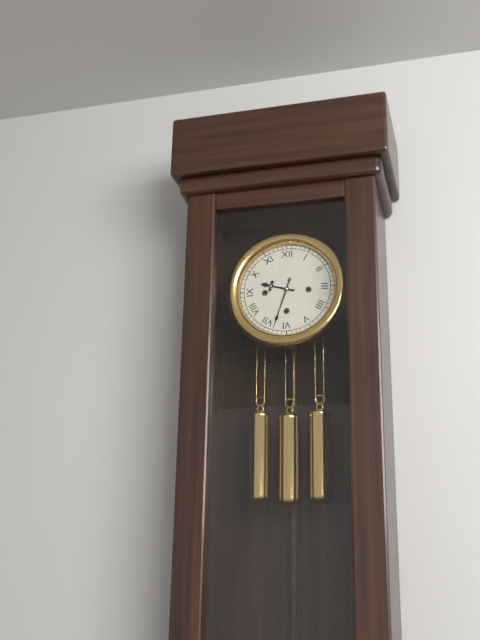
9:33
